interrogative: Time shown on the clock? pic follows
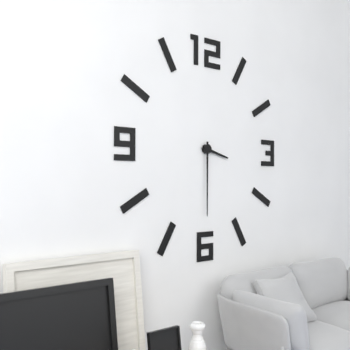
3:30
